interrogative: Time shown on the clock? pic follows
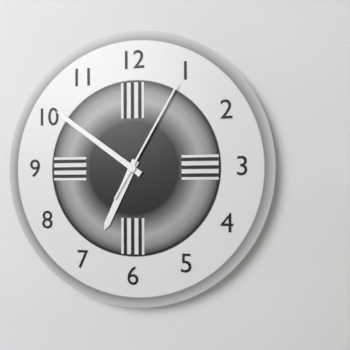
6:51:05
